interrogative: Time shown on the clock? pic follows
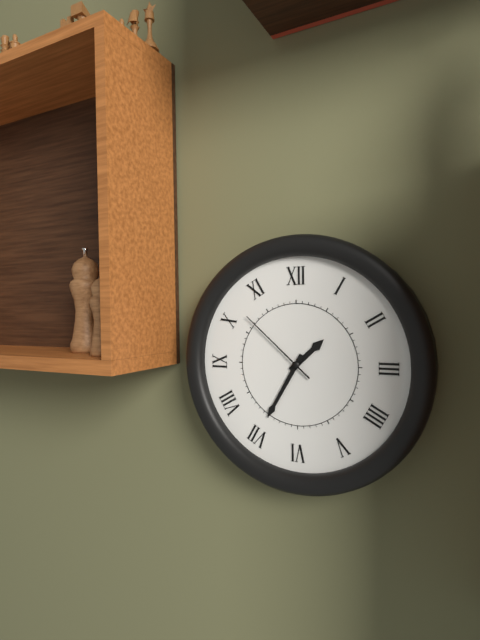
1:35:52
